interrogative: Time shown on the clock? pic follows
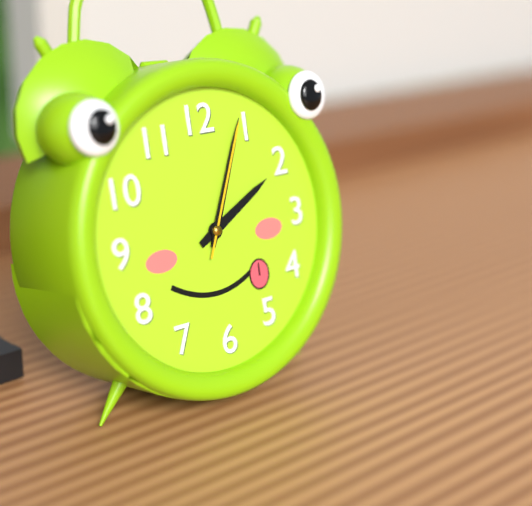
2:04:04
